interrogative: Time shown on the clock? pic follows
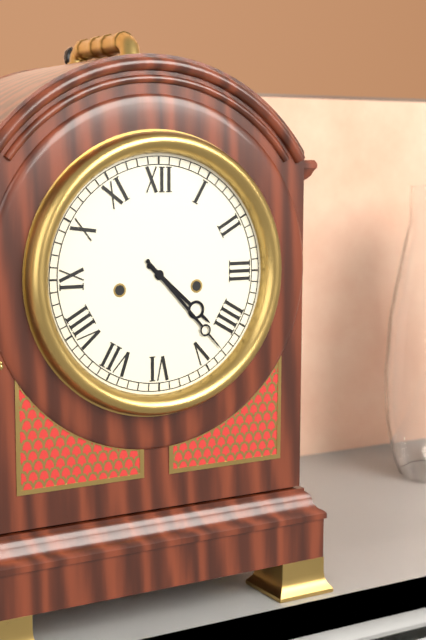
4:23
